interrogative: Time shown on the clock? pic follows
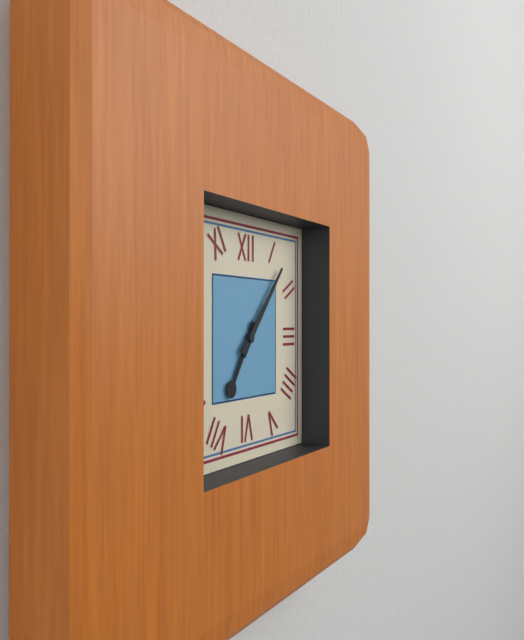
7:07
